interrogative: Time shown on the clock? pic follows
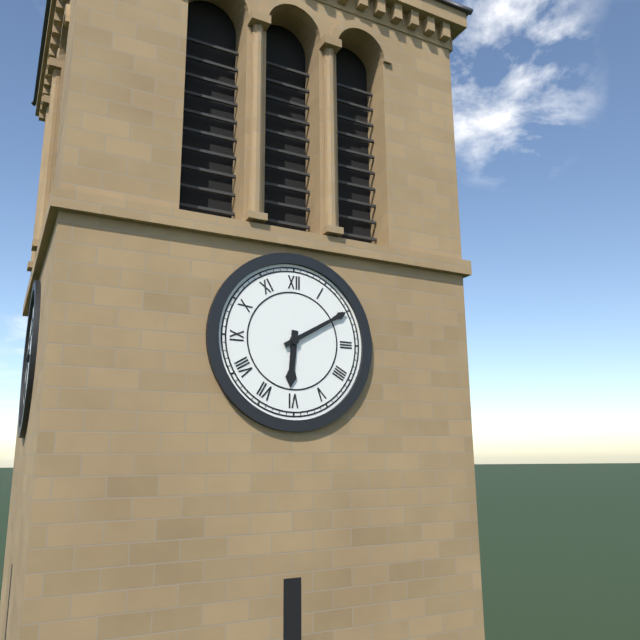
6:10
